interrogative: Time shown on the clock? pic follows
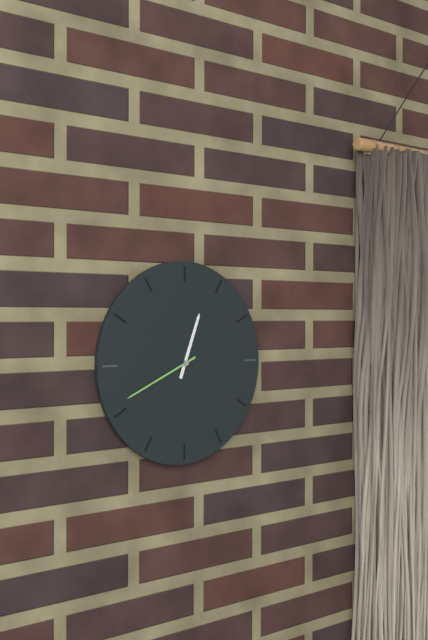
12:41
